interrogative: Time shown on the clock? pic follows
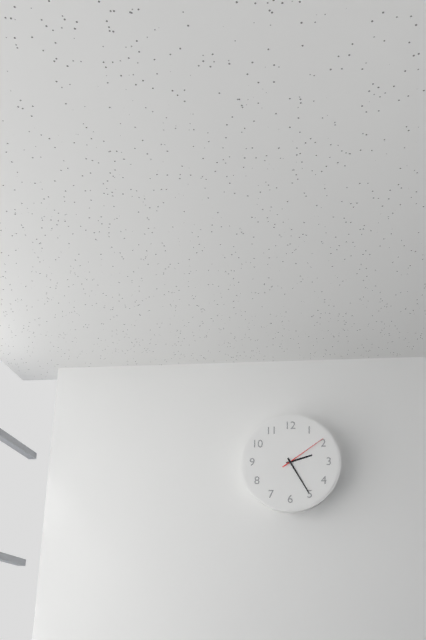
2:25:09
